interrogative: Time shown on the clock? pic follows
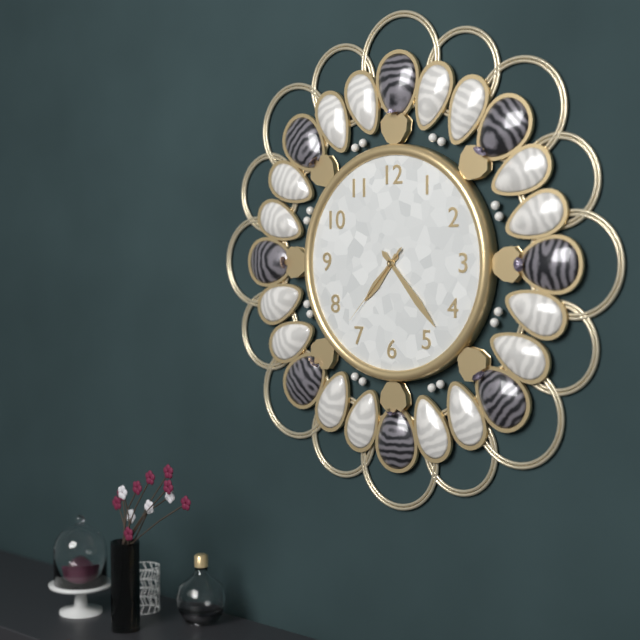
7:23:37
